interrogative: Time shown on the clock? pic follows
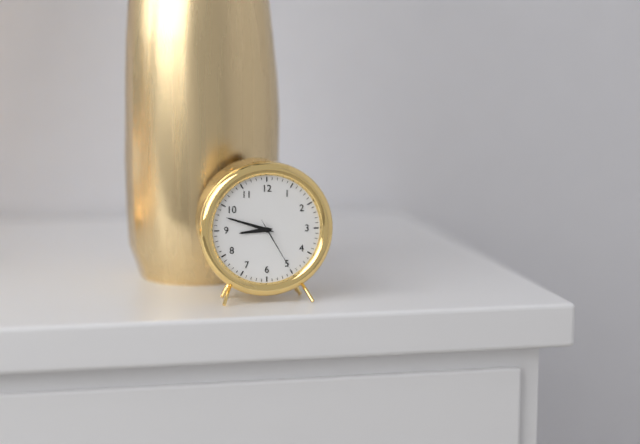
8:48:25
